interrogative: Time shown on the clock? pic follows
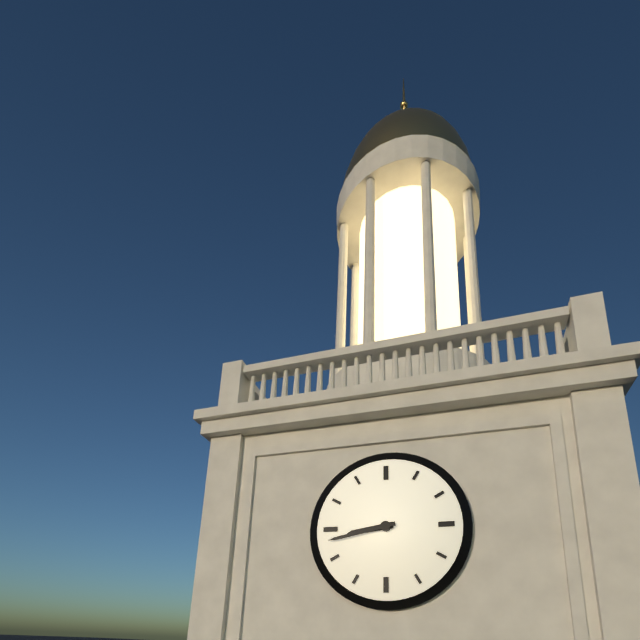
8:43
